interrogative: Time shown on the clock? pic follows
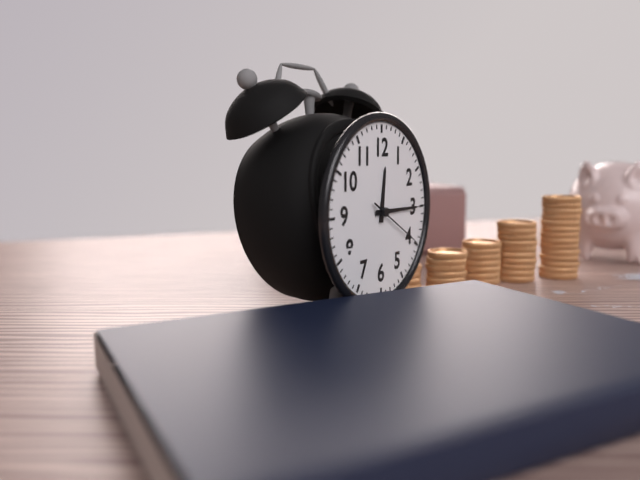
12:15:20
